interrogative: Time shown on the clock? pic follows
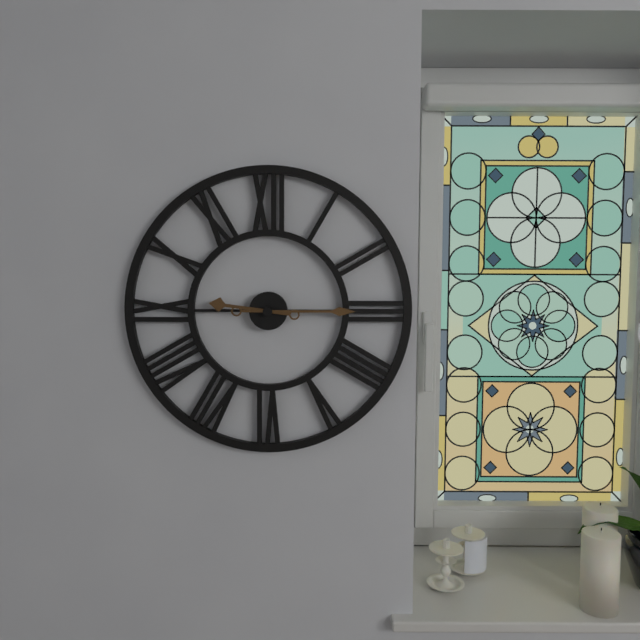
9:15
